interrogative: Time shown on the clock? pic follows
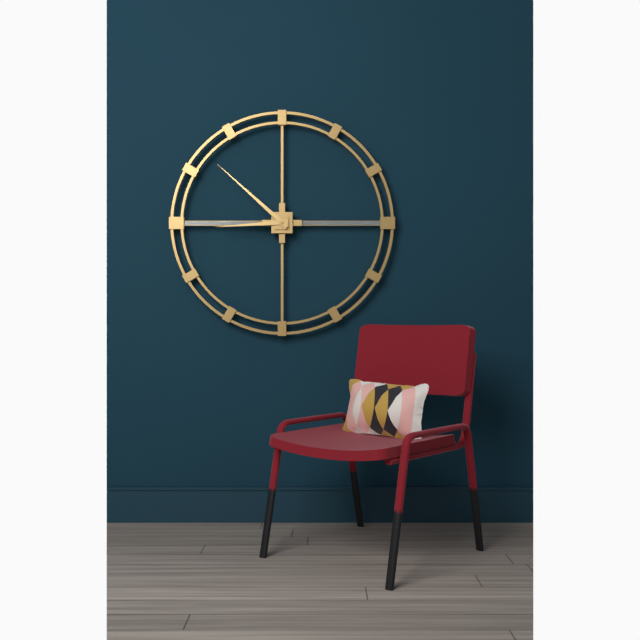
8:52
